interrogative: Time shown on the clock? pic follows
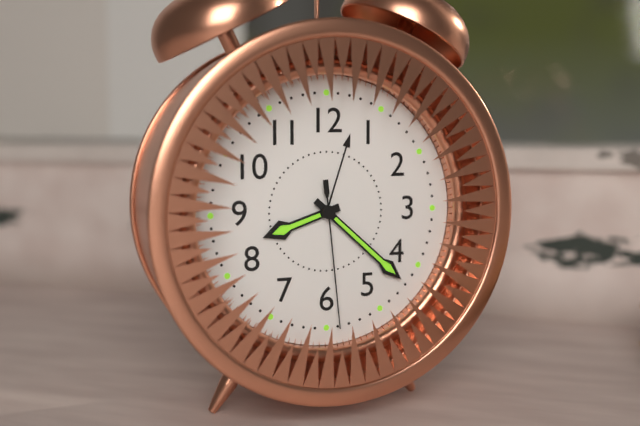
8:22:29
